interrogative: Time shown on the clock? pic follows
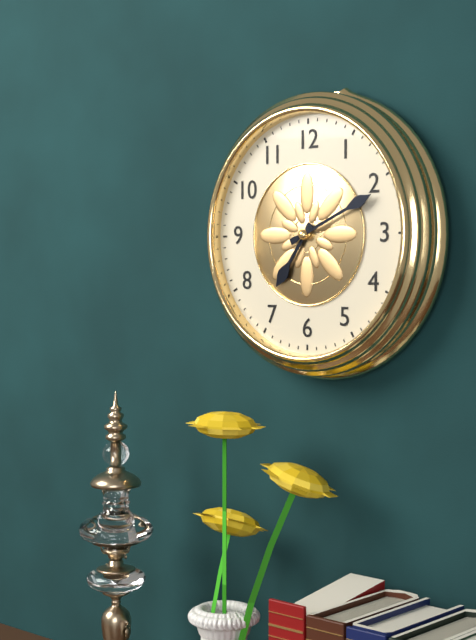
7:11
